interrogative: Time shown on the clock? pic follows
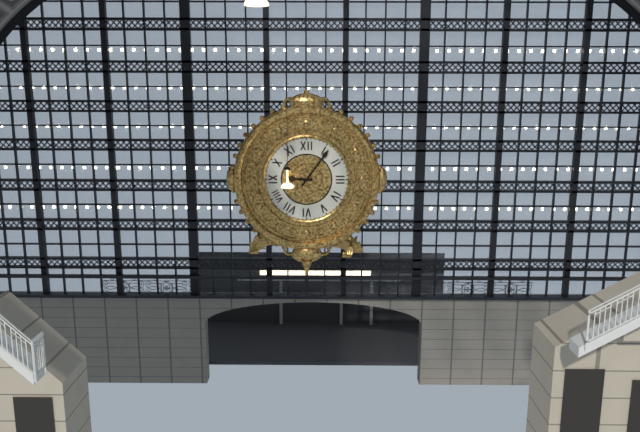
9:06
